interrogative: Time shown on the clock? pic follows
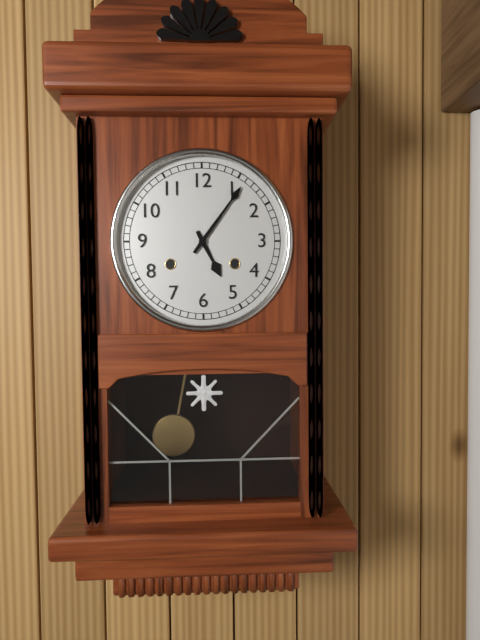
5:06
